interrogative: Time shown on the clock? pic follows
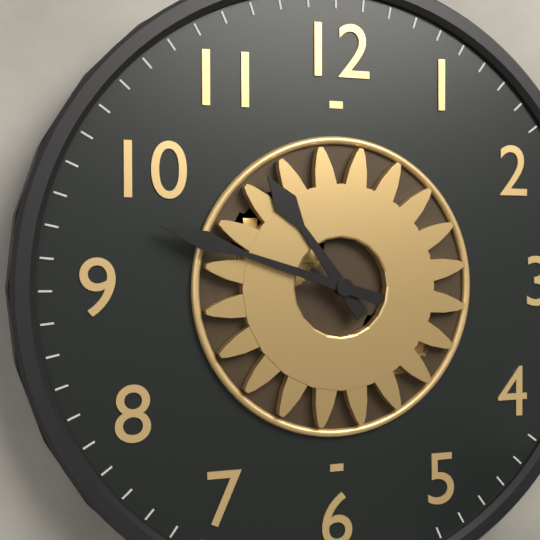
10:48
